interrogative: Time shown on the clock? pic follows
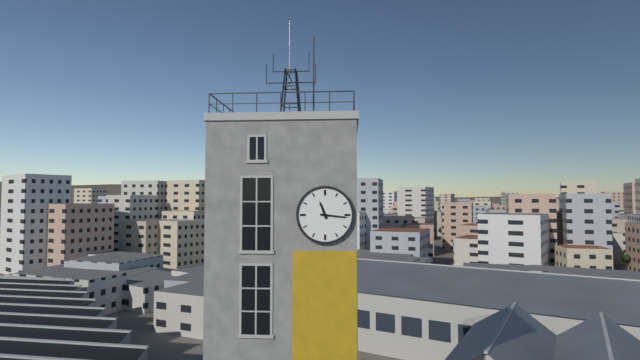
11:16
